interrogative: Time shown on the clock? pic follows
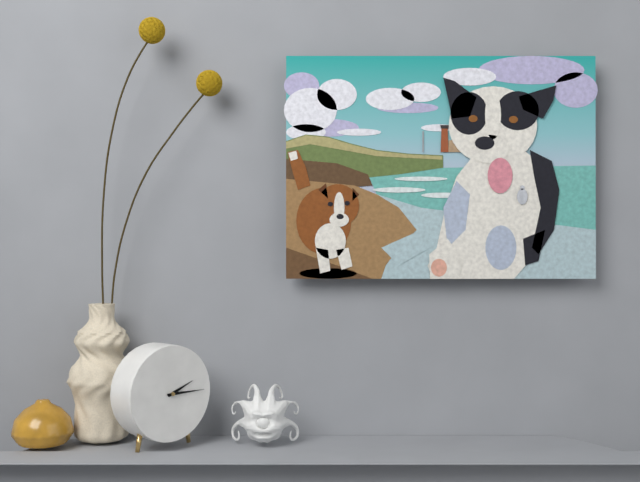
2:15
